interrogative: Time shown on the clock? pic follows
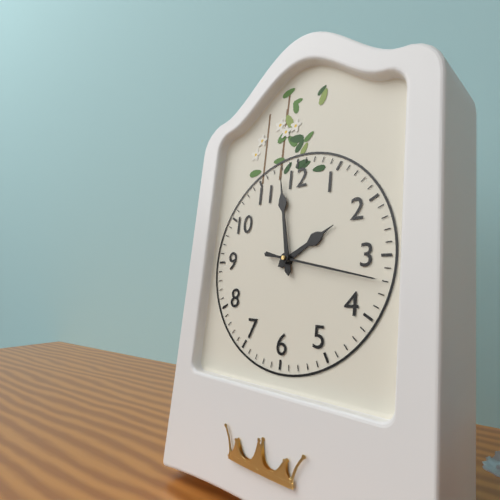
1:58:17
